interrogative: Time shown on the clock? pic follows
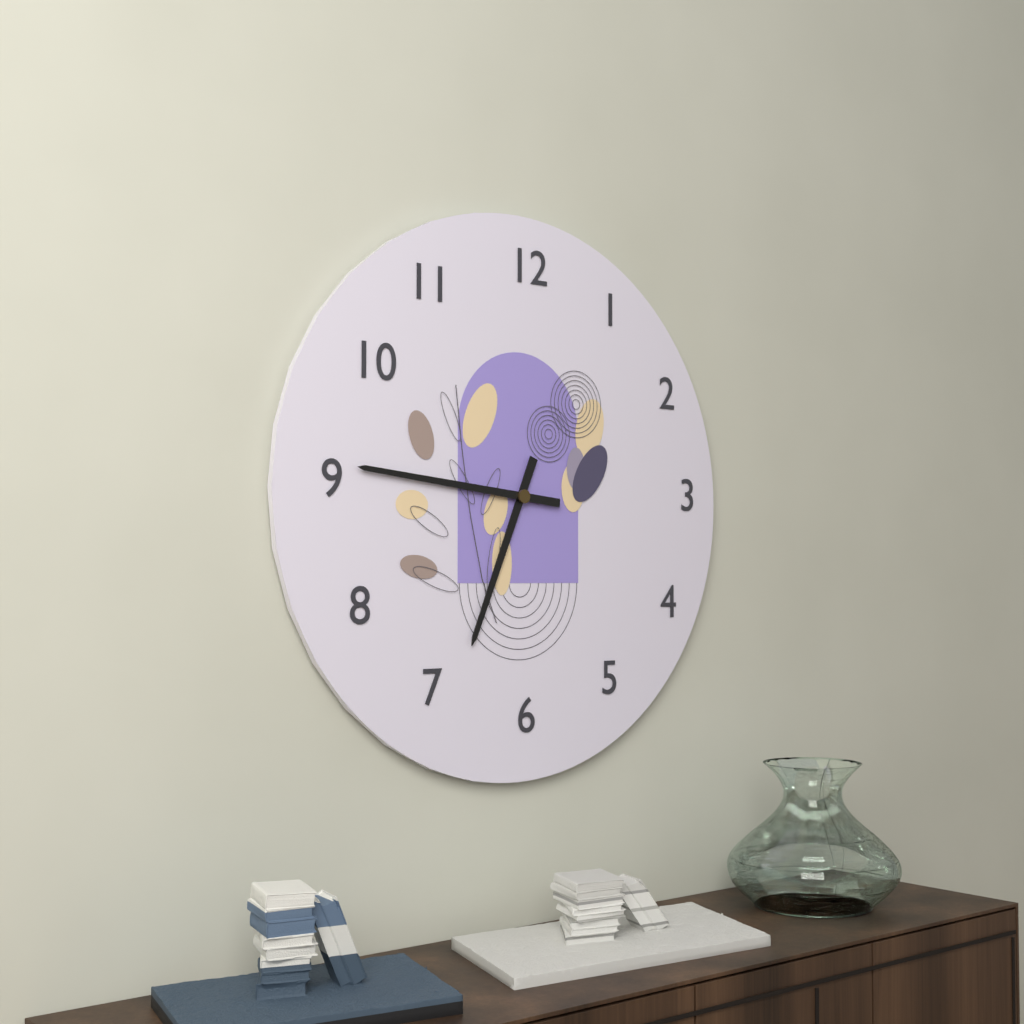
6:46
